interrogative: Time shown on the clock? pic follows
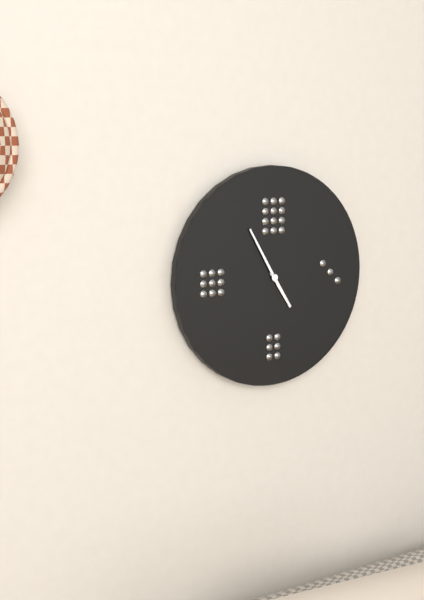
4:55
